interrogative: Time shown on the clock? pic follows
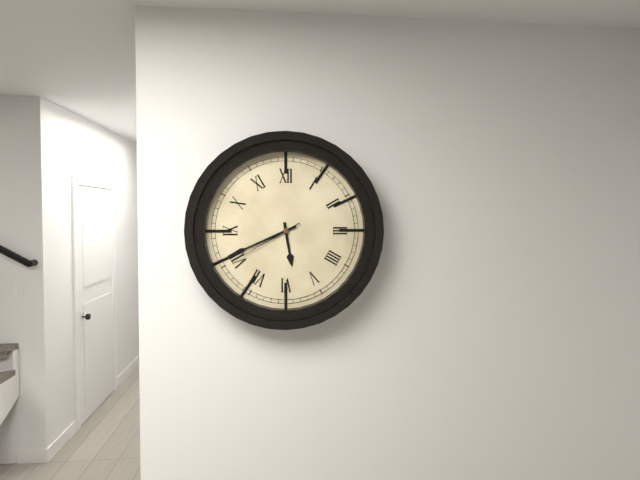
5:41:40
